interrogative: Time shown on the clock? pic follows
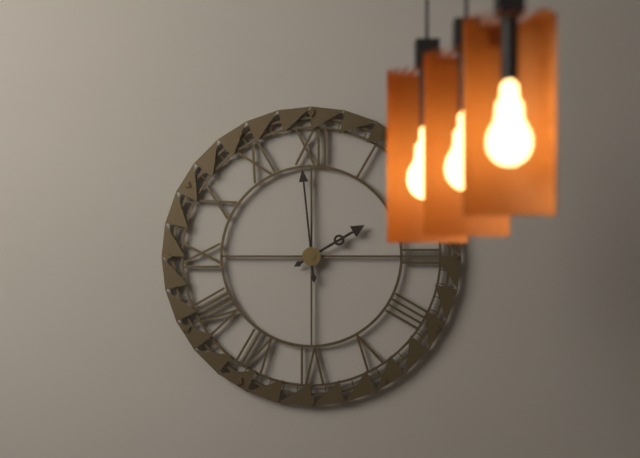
1:59
